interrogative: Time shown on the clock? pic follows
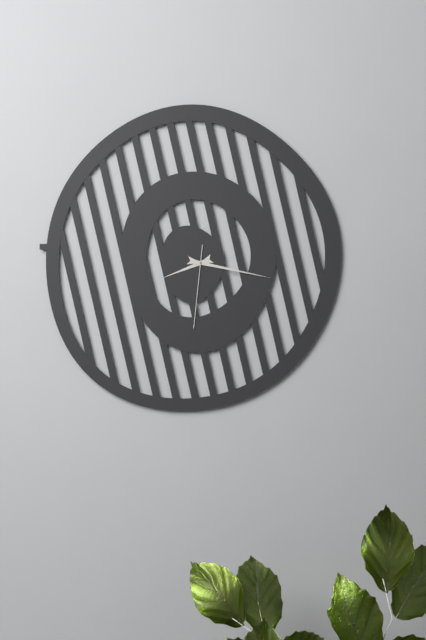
8:17:31
